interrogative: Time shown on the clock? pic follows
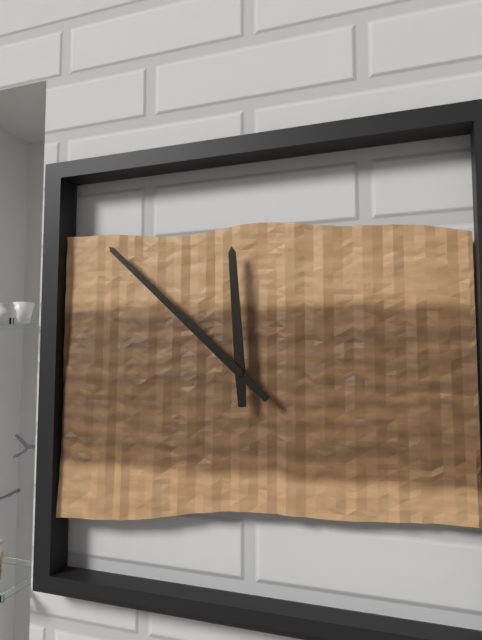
11:52
